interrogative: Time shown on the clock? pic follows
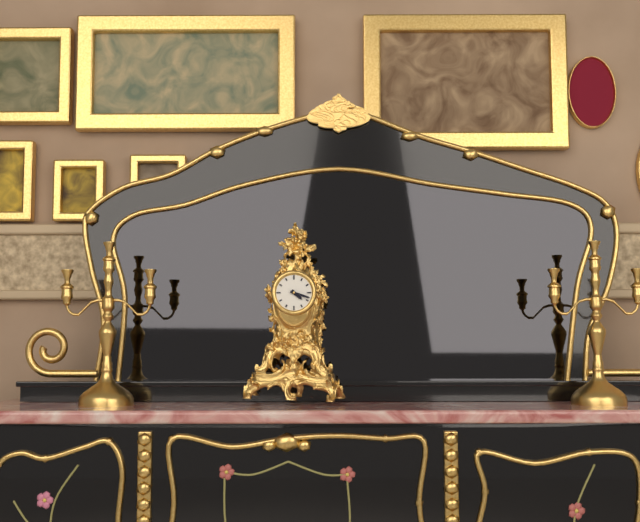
4:18
